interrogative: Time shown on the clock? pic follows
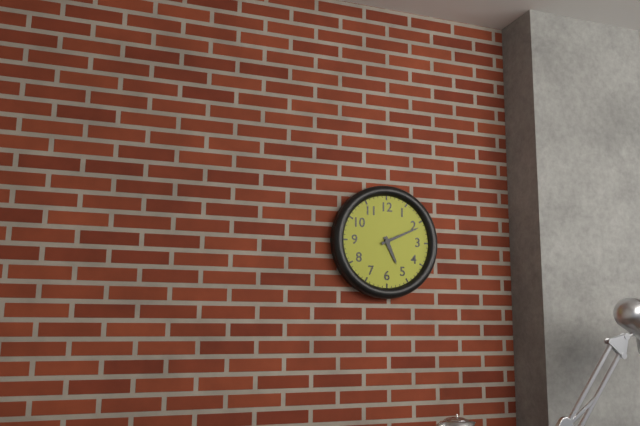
5:11
